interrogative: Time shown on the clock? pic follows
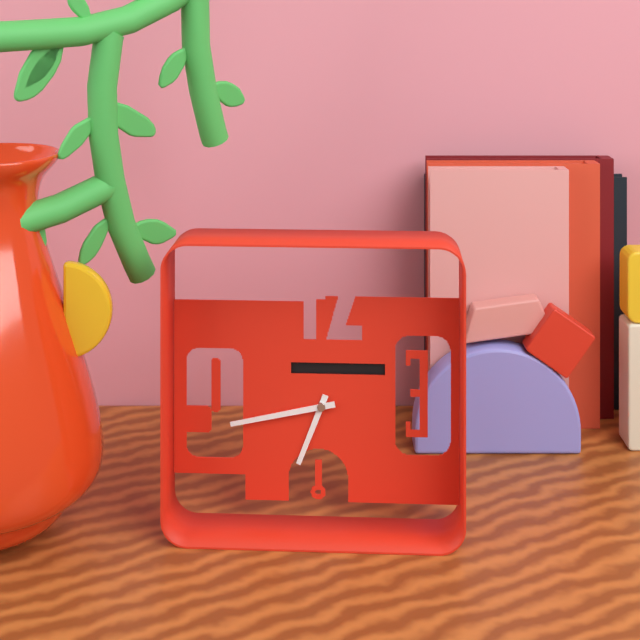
6:43
